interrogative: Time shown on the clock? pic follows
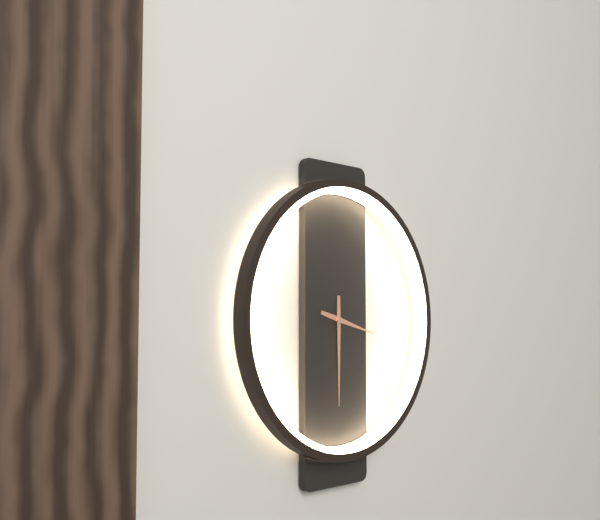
3:30
